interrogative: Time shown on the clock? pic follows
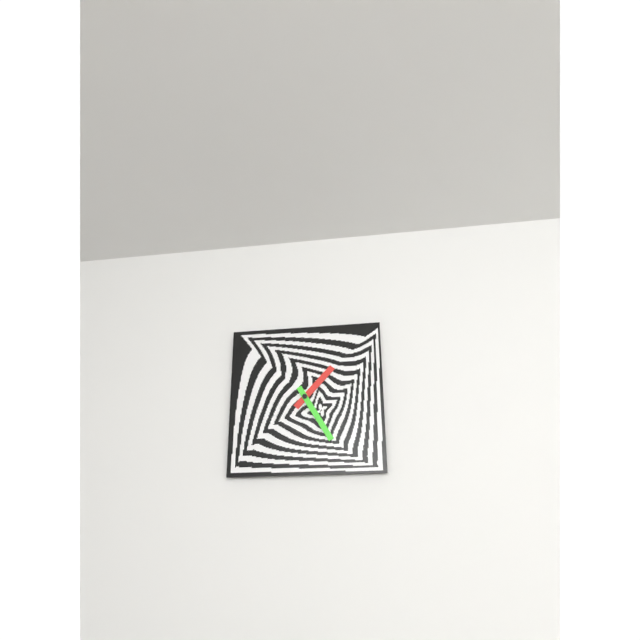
1:25
